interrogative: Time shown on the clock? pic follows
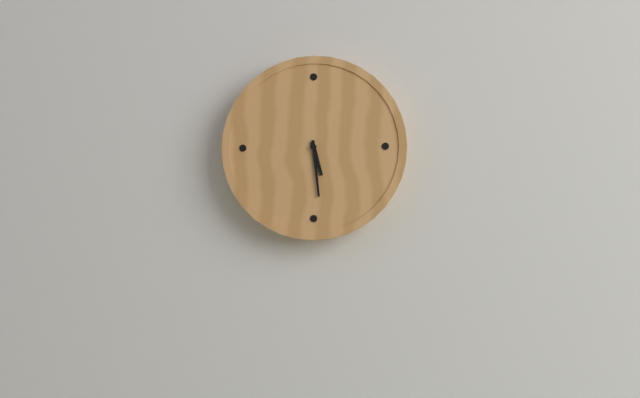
5:29
